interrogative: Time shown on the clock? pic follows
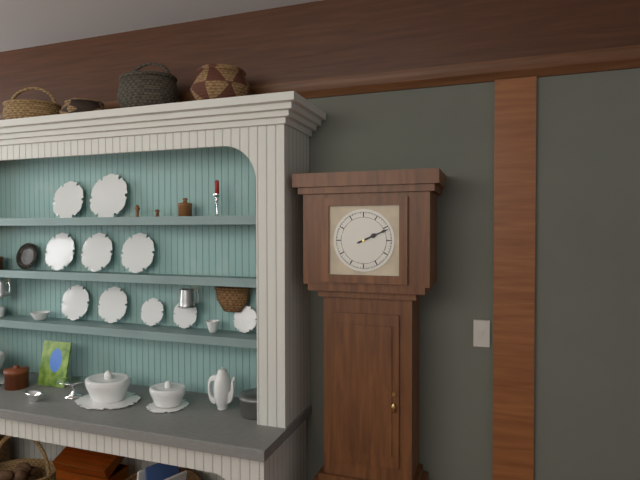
2:11
